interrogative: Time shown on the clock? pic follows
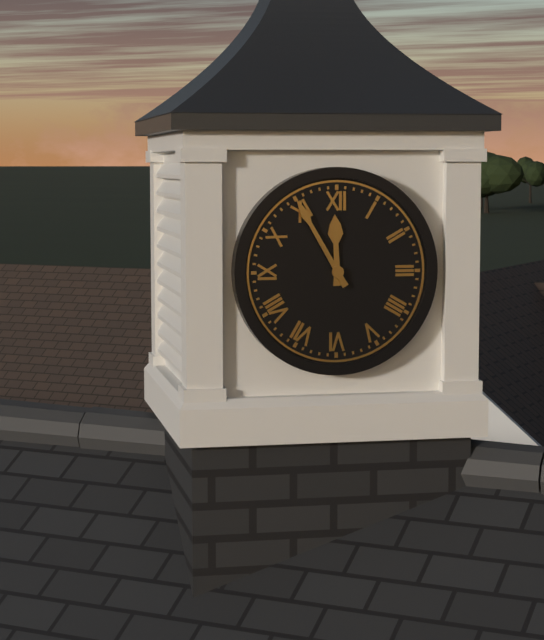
11:55
